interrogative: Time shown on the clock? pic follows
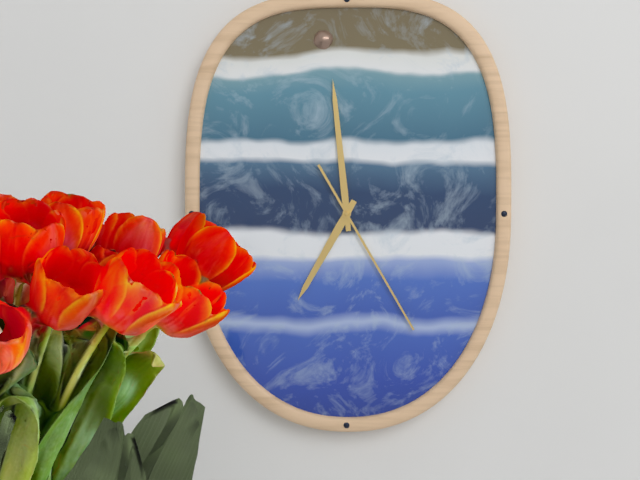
6:59:25
